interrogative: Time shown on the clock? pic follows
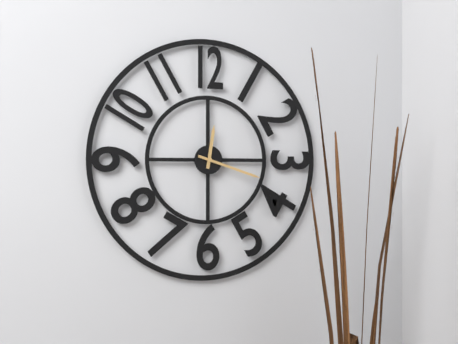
12:18
